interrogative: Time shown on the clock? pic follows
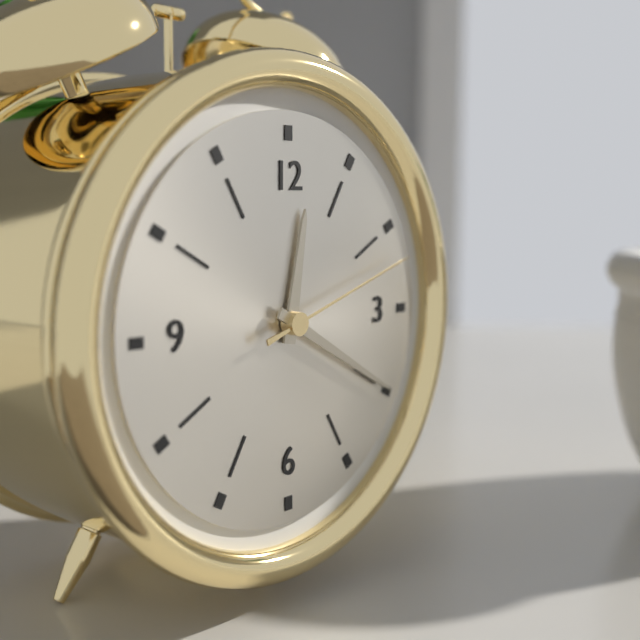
12:20:12
